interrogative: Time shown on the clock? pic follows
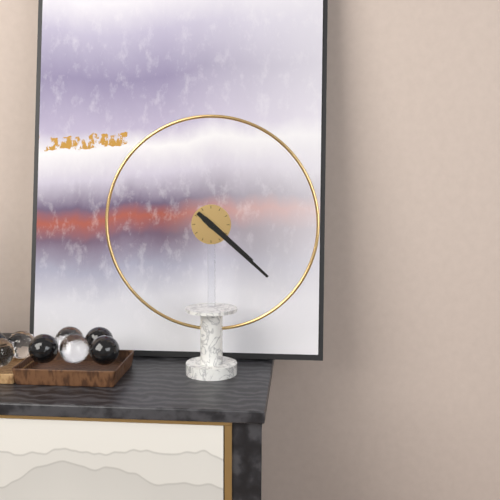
4:22
